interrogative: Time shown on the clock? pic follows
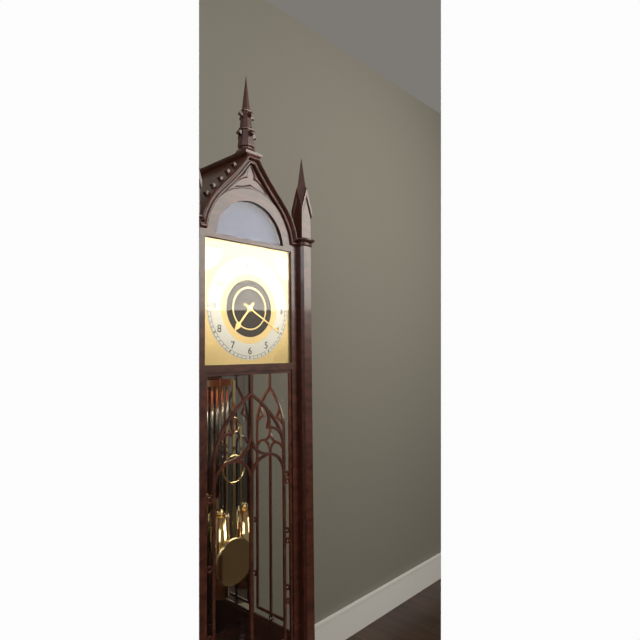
7:20
